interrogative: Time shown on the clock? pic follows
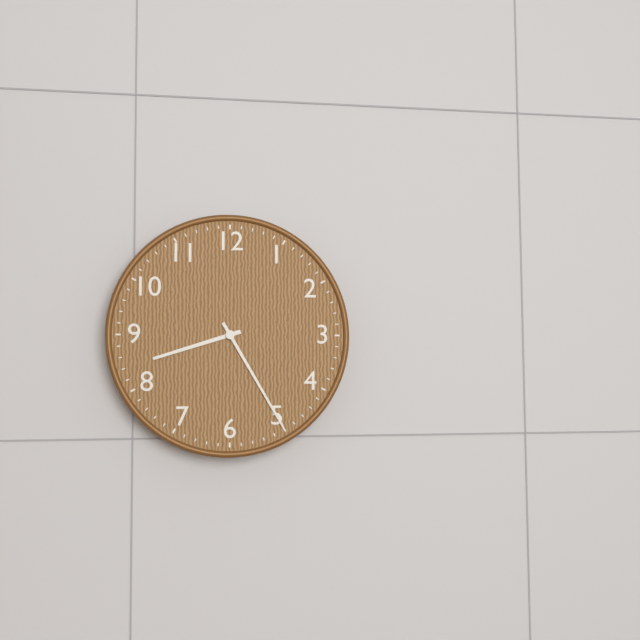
8:25
